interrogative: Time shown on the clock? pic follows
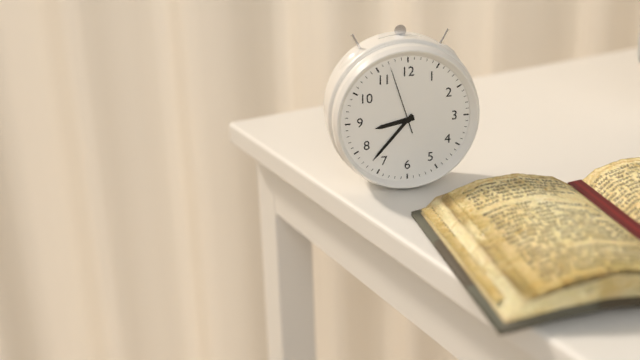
8:37:57
